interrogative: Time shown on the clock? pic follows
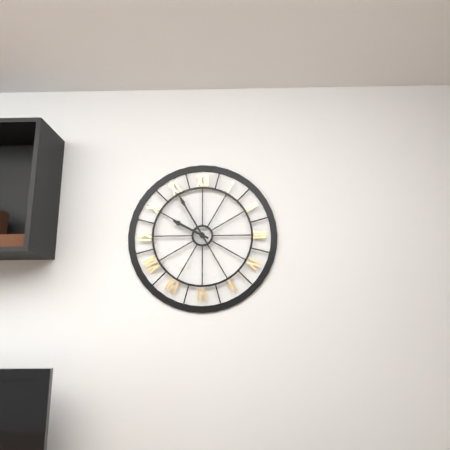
9:55
